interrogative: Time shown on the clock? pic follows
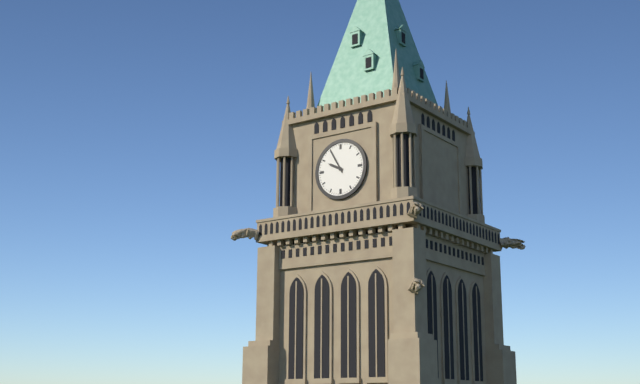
9:55
